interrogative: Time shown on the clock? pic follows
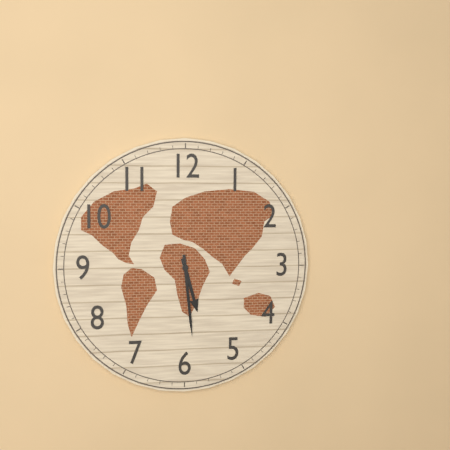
5:29
